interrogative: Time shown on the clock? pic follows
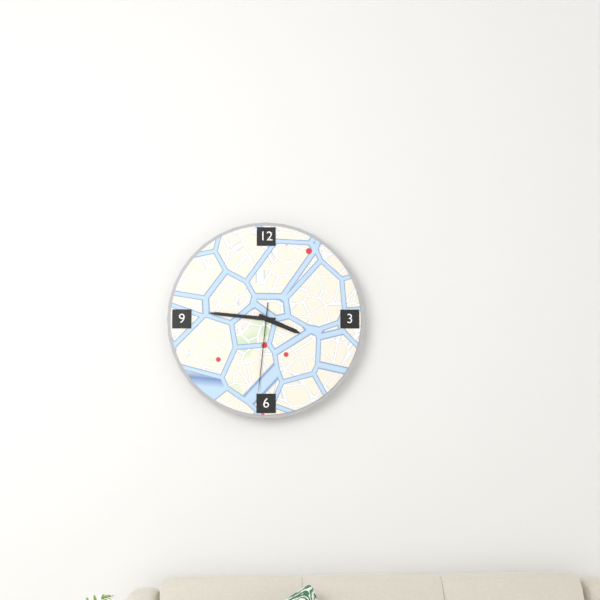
3:46:31
